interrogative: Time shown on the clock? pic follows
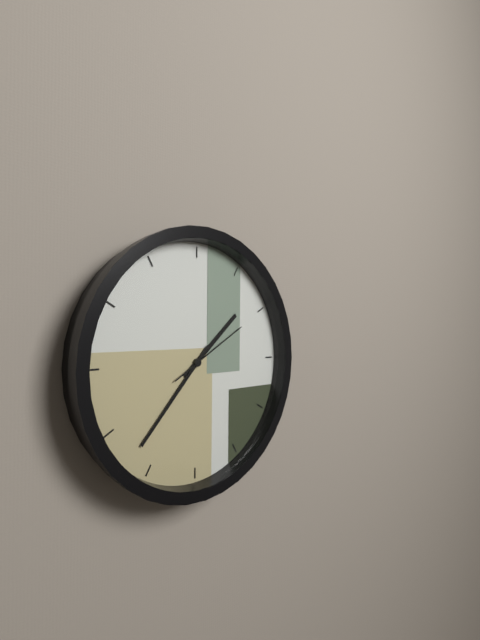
1:37:10
